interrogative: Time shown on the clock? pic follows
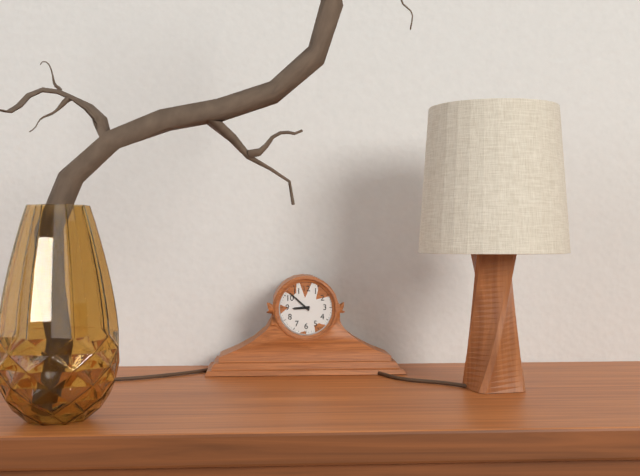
8:52
